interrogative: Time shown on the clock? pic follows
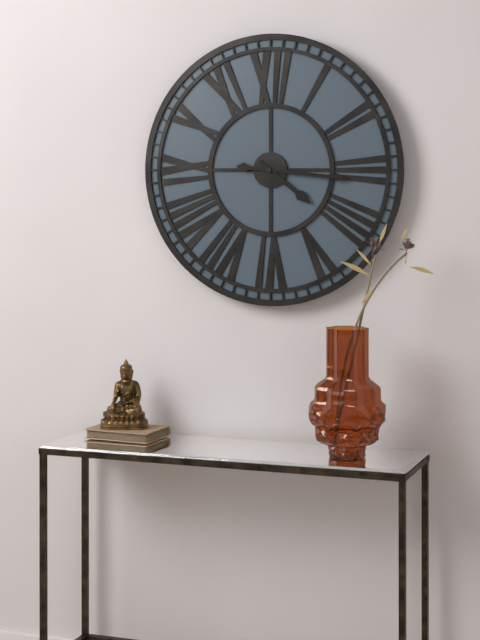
4:16
